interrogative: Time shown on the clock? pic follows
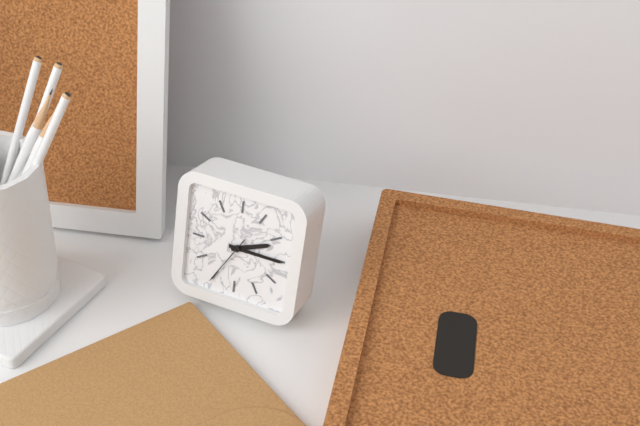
2:15:35
